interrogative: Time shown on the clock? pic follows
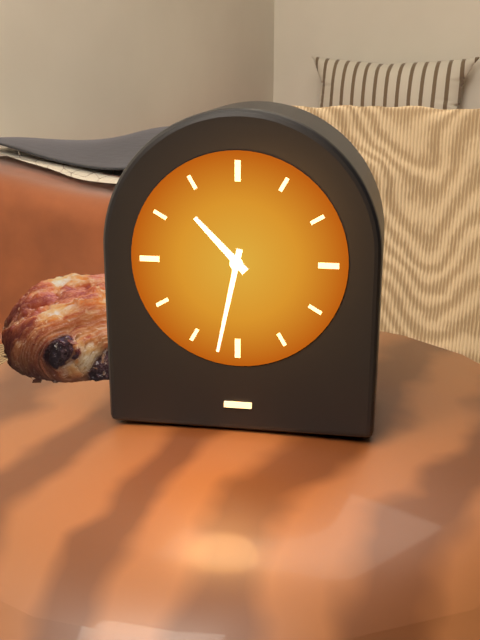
10:32
